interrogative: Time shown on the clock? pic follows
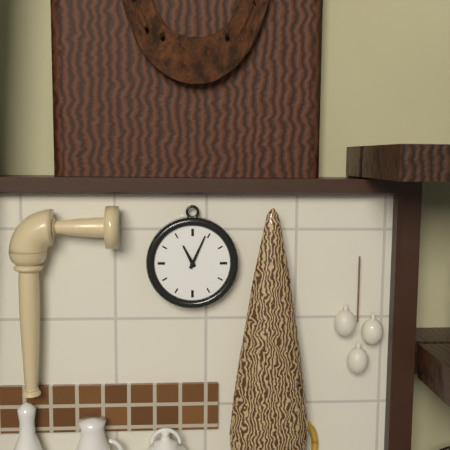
11:04
